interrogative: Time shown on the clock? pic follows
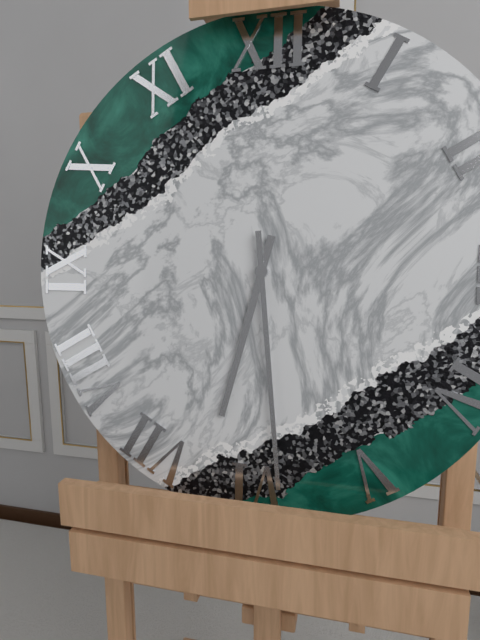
6:29
